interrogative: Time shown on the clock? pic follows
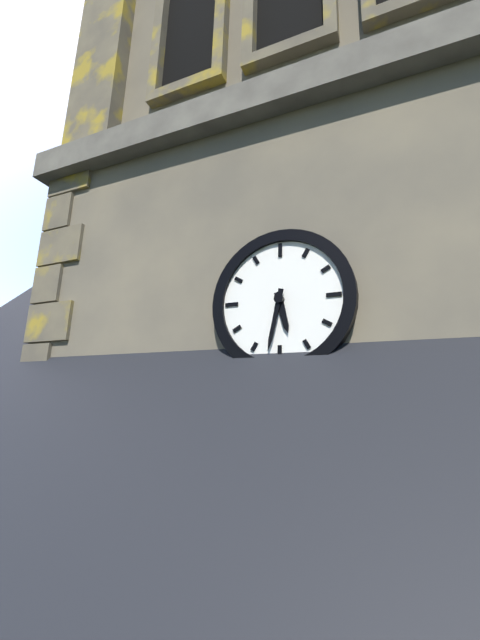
5:32
